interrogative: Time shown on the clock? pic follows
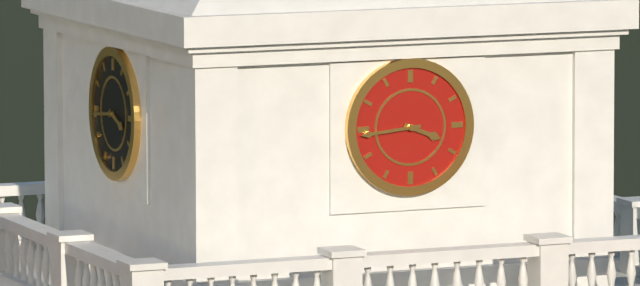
3:44
